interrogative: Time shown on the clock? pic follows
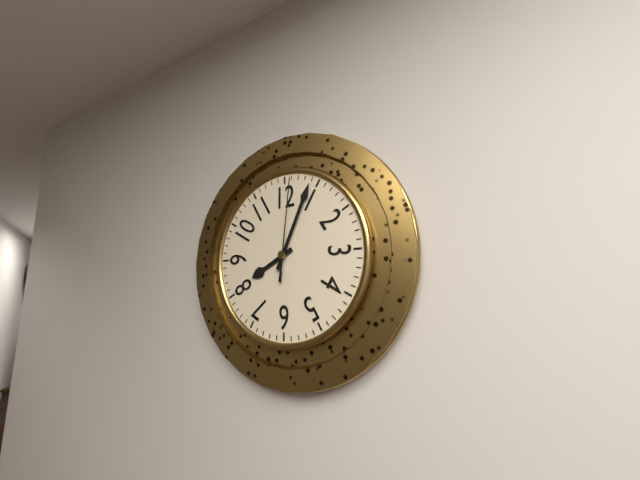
8:04:01
